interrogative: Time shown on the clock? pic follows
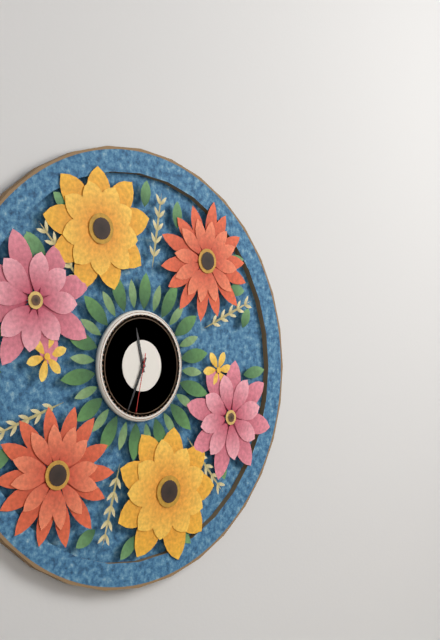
11:34:32
